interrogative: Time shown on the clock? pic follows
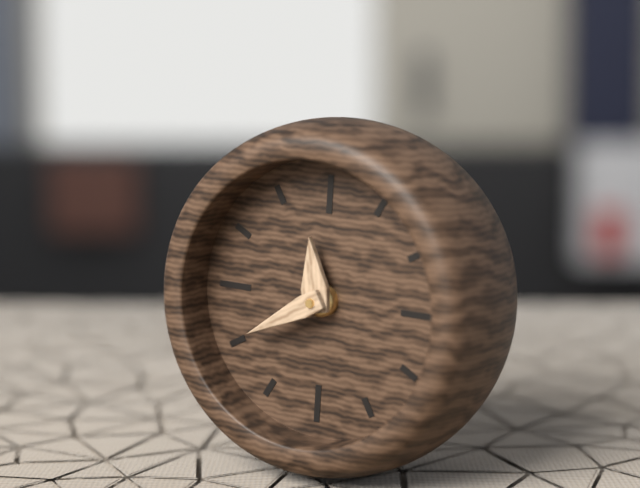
11:40
